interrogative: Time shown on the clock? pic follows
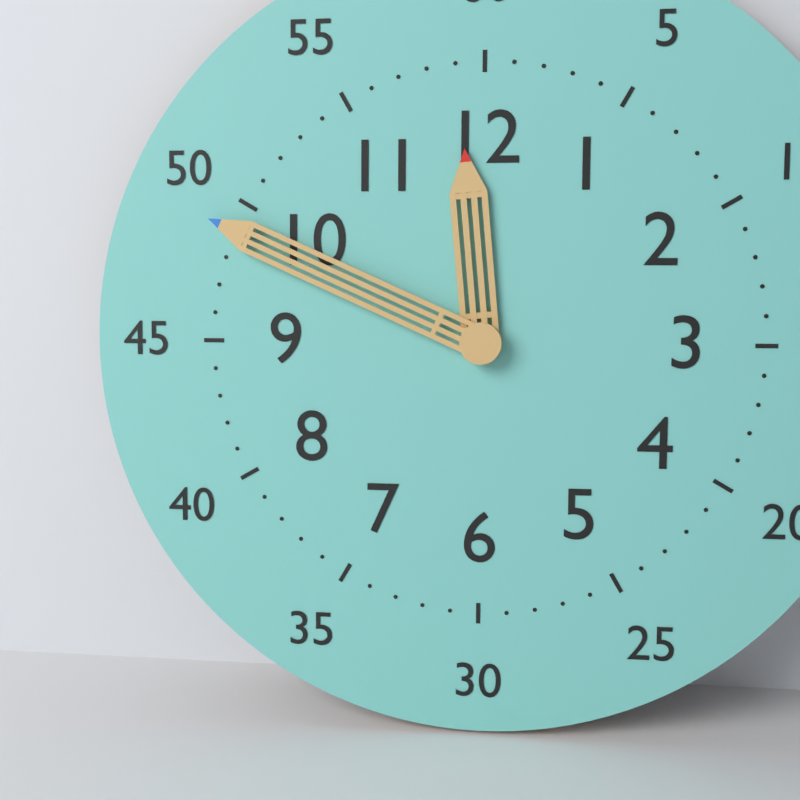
11:49
